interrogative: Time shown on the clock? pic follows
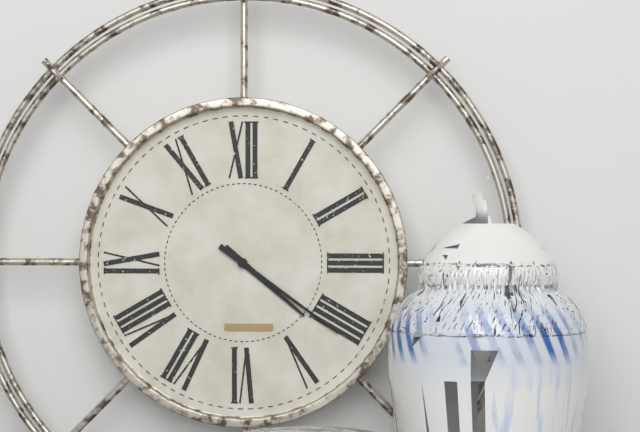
4:21
